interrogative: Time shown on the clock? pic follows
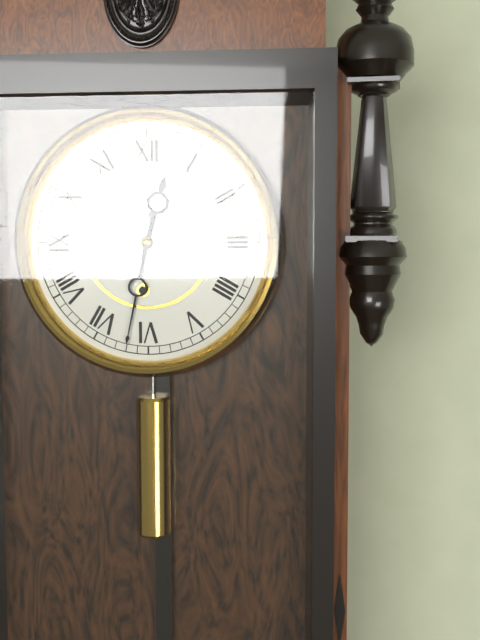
12:32
